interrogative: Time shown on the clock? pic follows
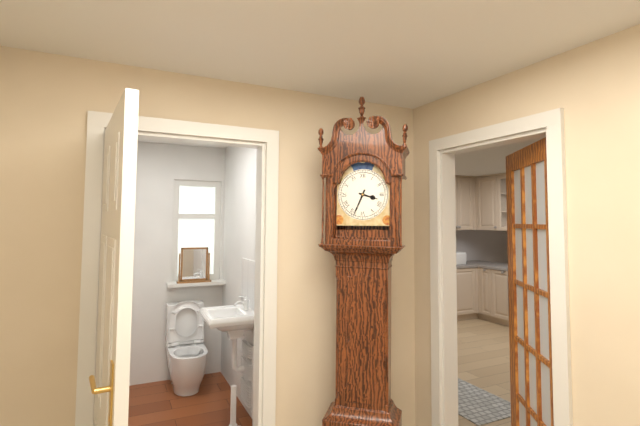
3:34
